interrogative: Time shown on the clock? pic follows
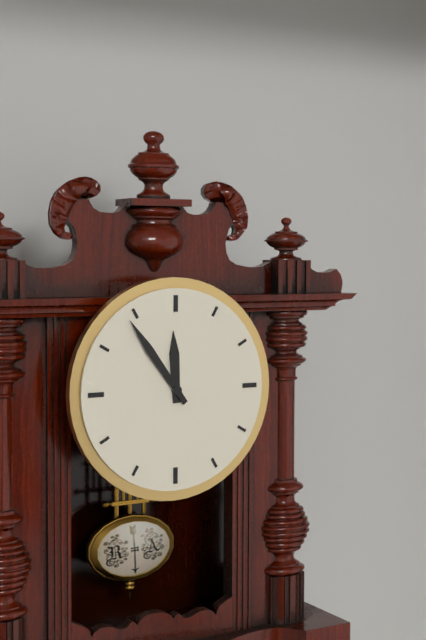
11:54
